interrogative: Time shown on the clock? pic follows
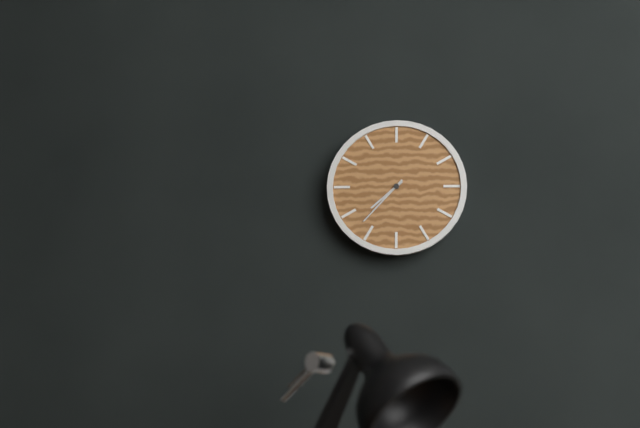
7:37
